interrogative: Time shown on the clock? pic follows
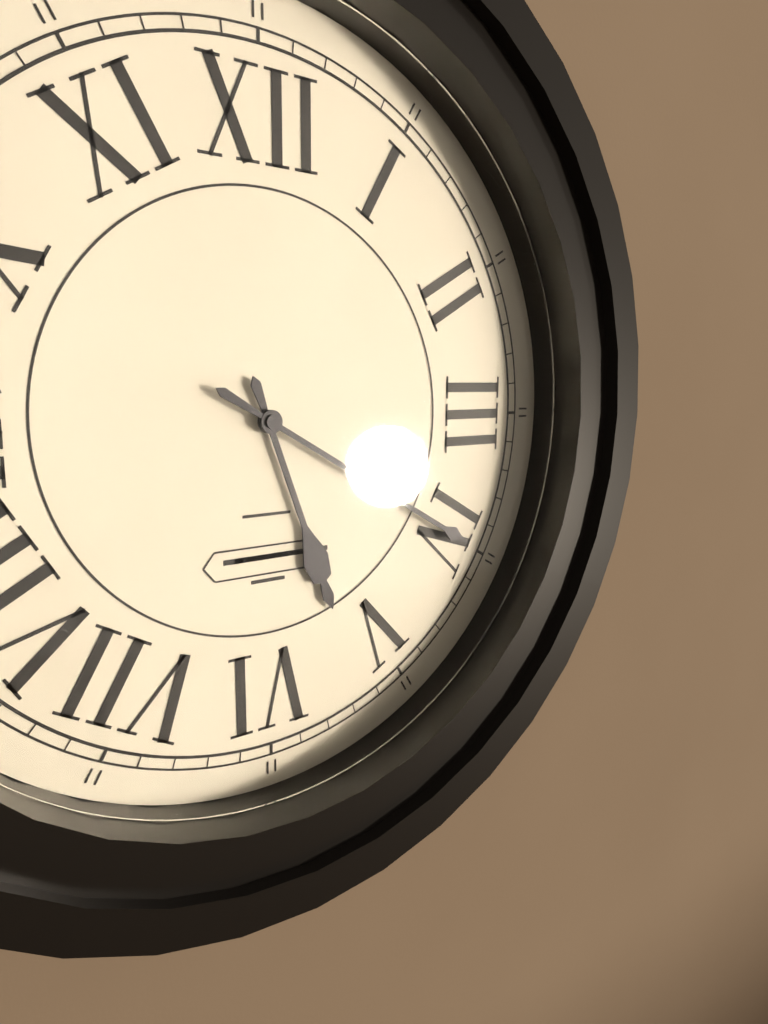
5:20
